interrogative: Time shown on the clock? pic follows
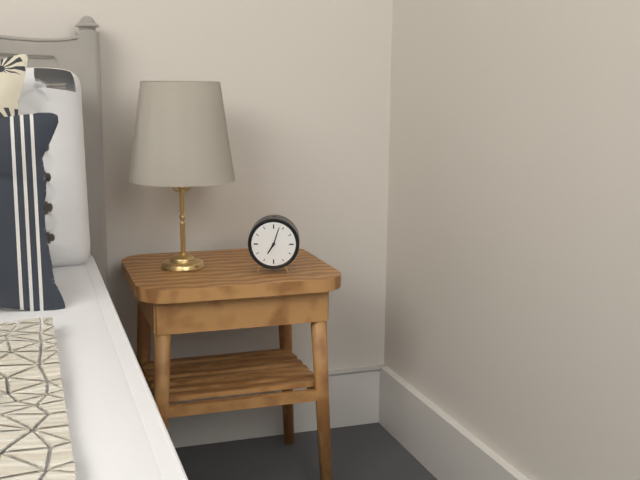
7:03
